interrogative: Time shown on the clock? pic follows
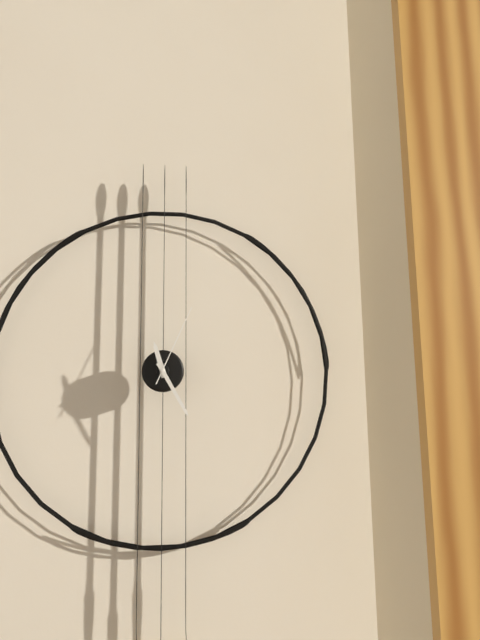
11:25:04
